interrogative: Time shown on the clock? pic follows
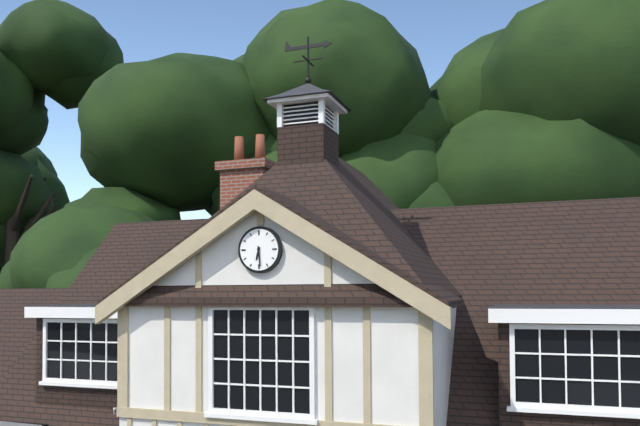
6:29
